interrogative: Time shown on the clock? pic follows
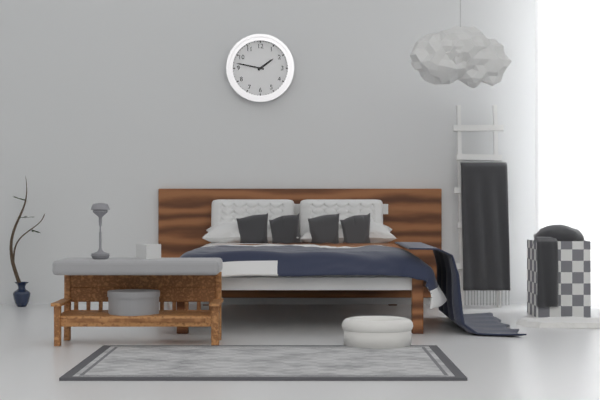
1:47
